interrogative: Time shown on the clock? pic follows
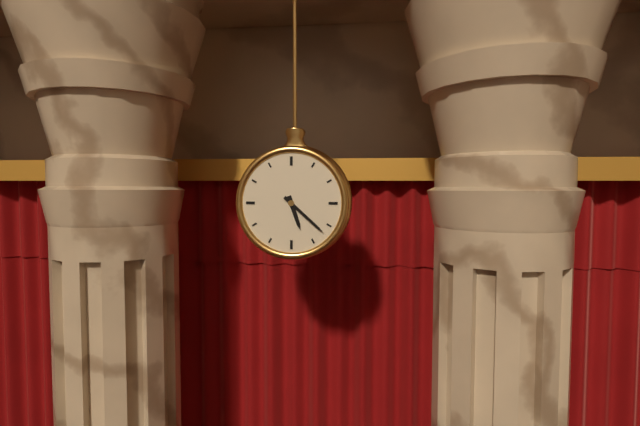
5:22
